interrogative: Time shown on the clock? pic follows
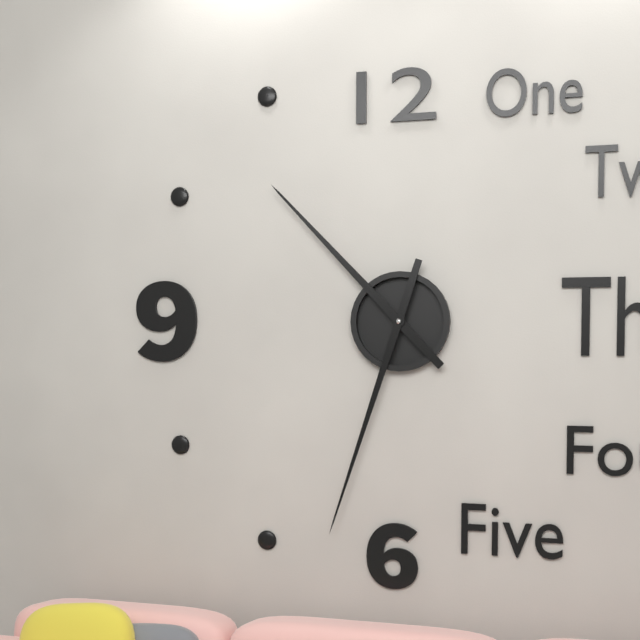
10:33
